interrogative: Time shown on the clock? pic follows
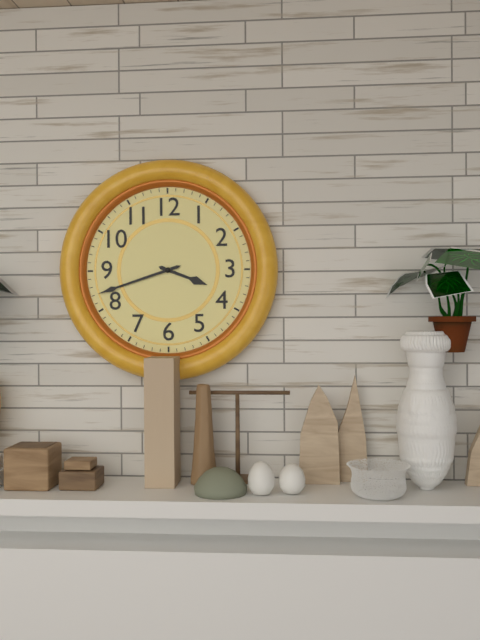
3:42
